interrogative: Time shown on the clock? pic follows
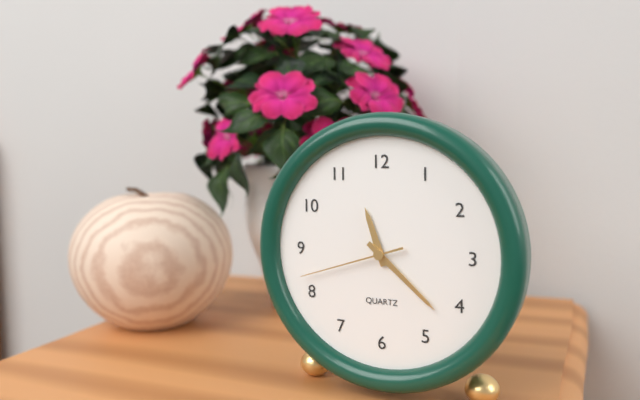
11:22:42
